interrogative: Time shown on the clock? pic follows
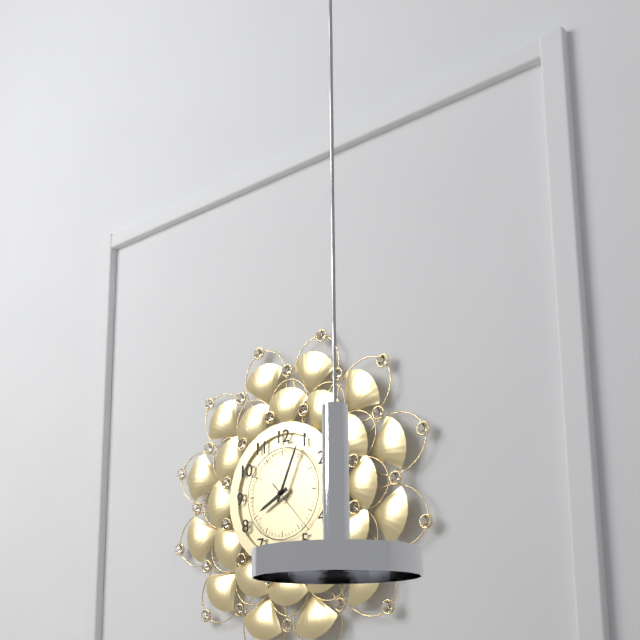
8:04:23
